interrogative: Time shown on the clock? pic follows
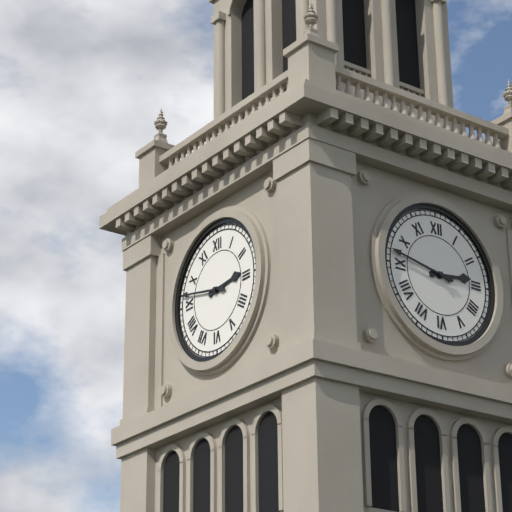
2:47
